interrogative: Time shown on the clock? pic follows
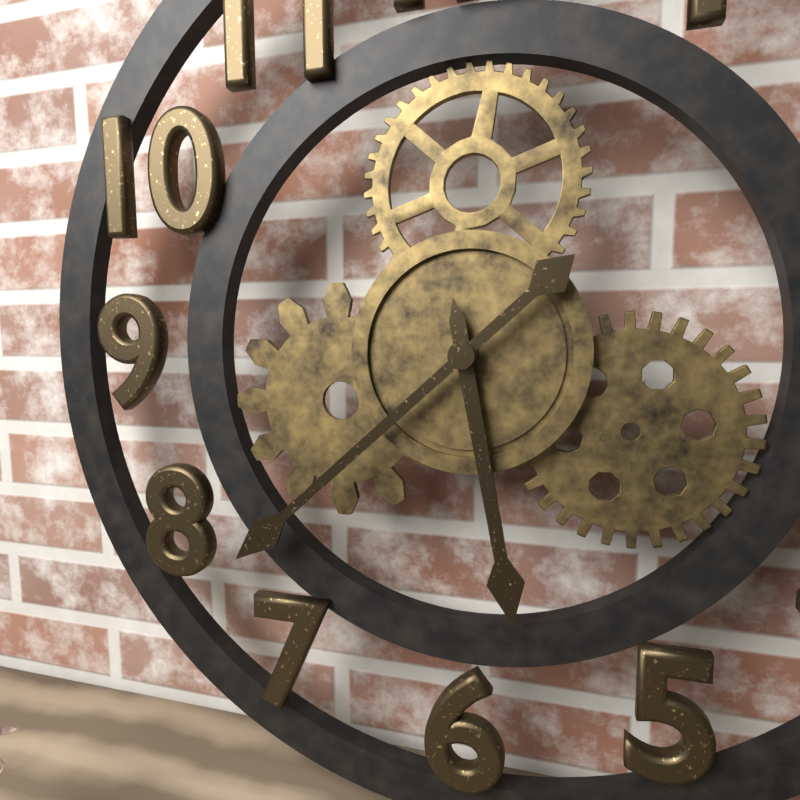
5:38
